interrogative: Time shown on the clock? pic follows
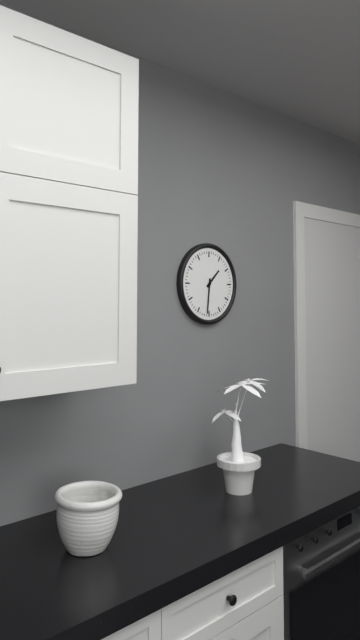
1:31
